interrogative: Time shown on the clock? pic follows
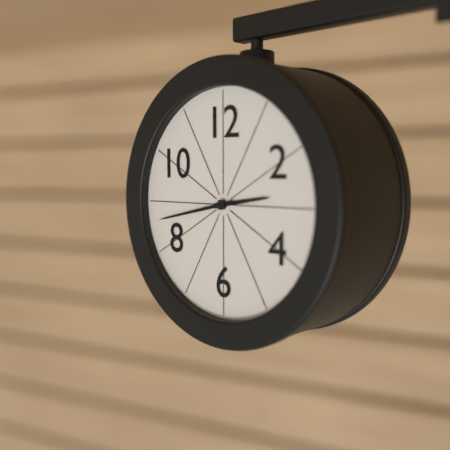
2:43
